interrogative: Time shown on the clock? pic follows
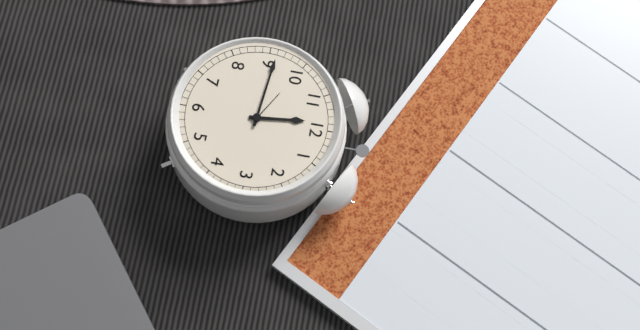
11:46
